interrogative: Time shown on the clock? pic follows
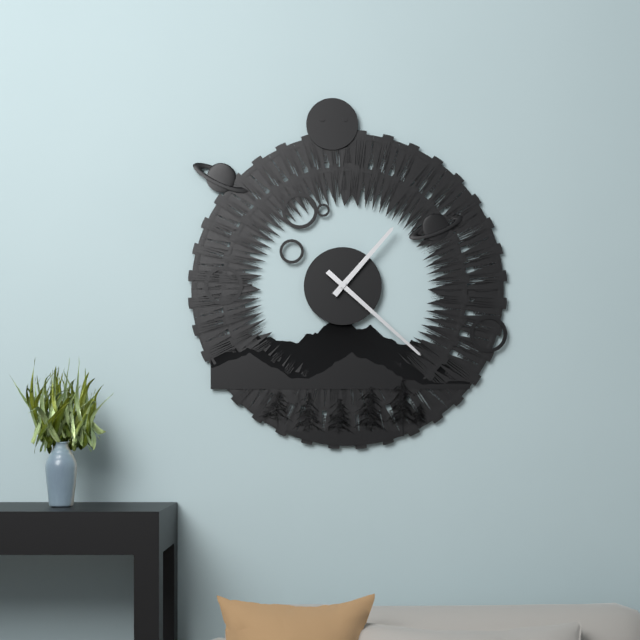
1:22
